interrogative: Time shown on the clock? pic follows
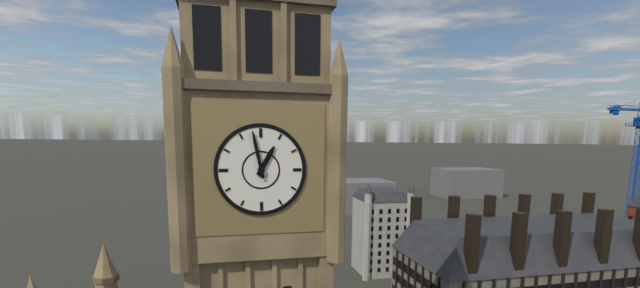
12:58
